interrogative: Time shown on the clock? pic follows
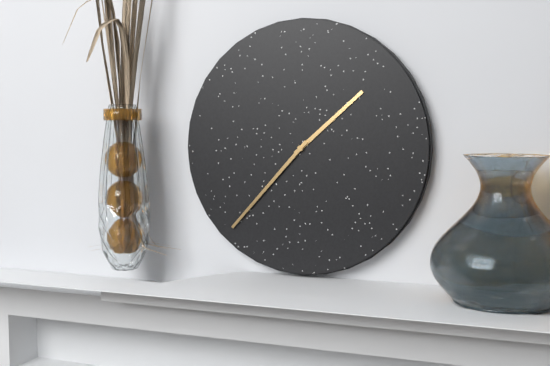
1:37
